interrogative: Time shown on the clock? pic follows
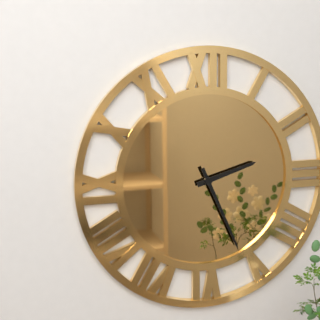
2:26
